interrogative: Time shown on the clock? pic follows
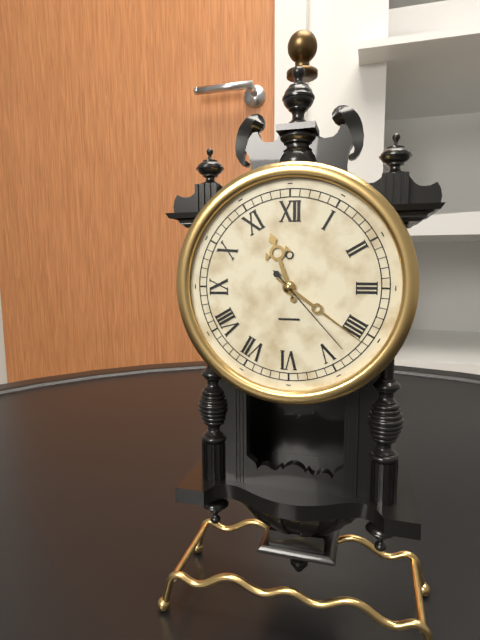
11:21:23
